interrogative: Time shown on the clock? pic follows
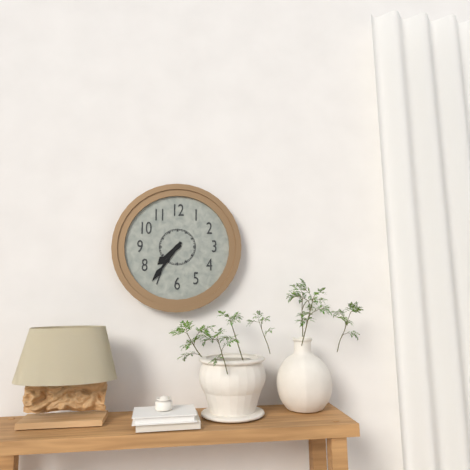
7:36
